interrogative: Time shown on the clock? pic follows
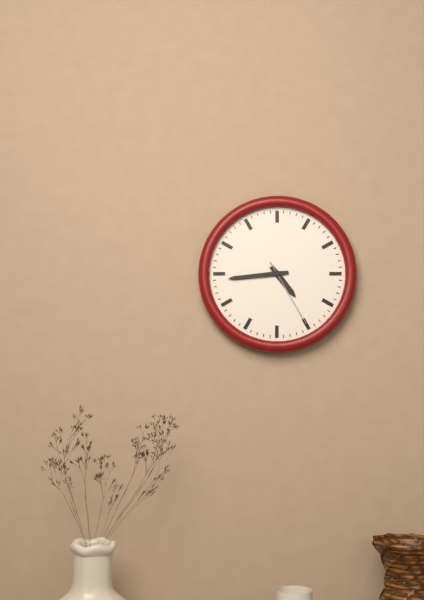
4:44:25
